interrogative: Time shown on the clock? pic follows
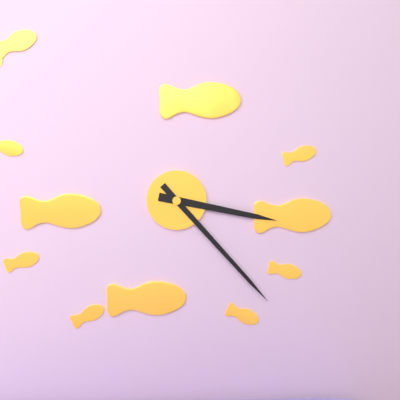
3:23
